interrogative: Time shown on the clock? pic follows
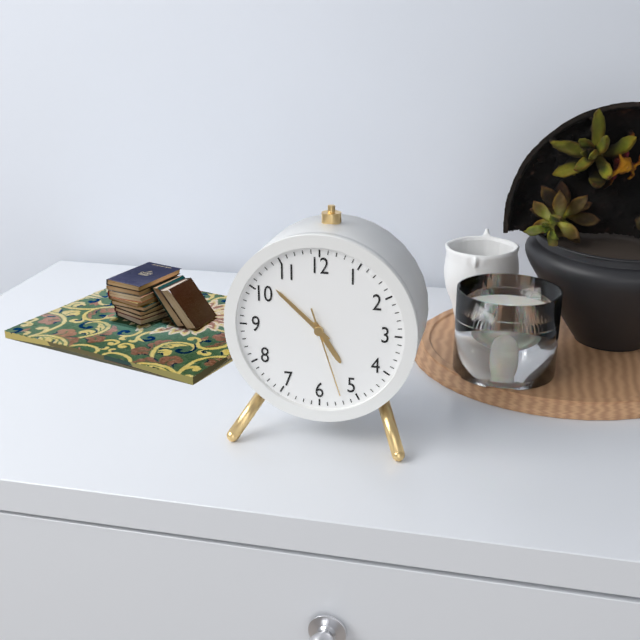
4:52:27
